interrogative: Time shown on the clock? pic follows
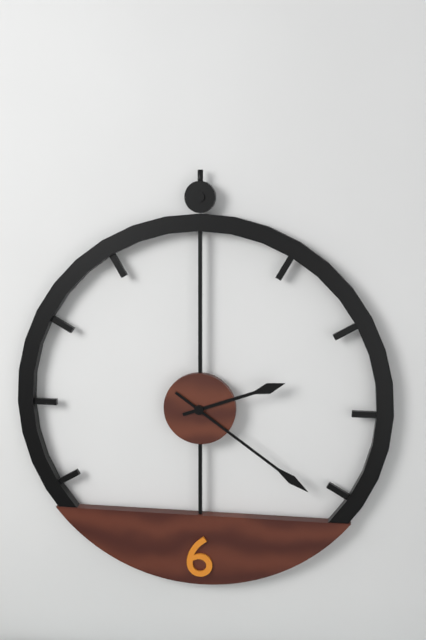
2:21
